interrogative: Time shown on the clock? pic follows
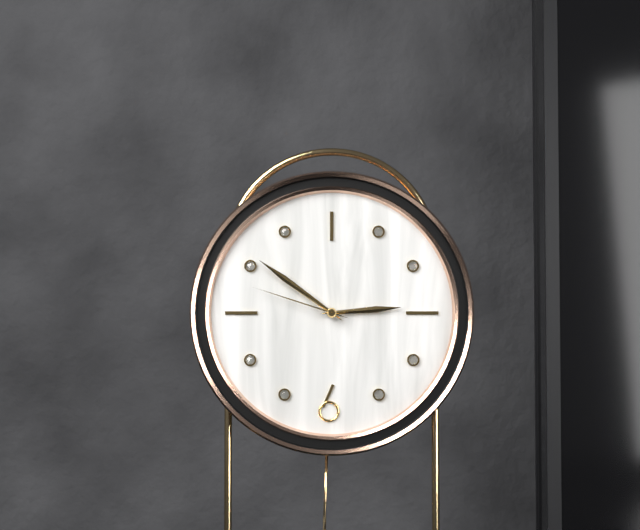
2:51:48
